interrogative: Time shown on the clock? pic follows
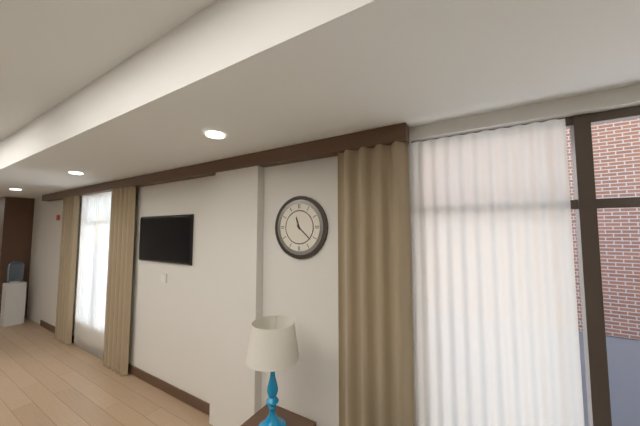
11:22
